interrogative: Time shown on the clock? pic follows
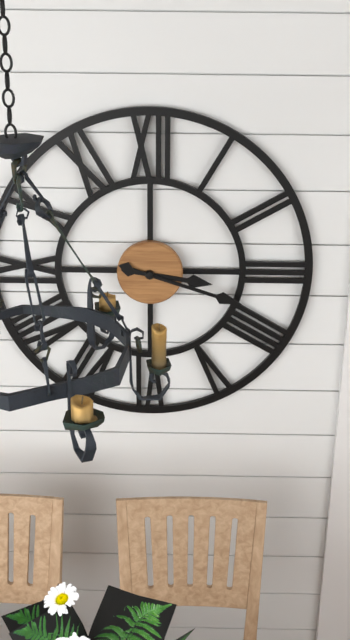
3:18
